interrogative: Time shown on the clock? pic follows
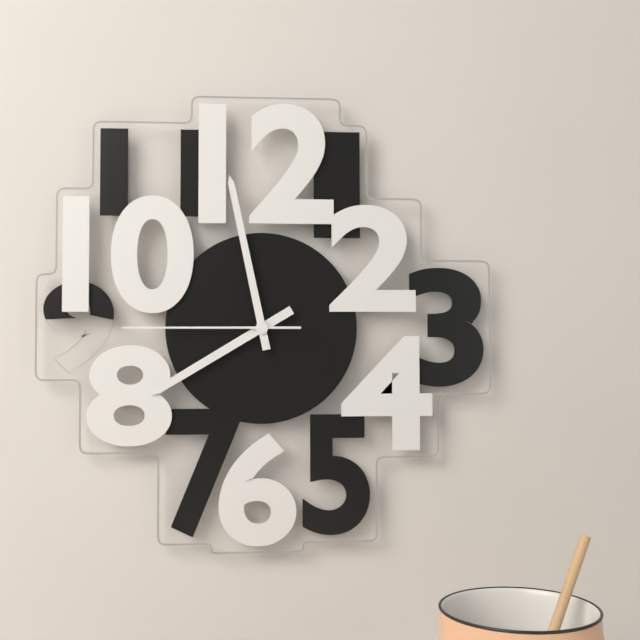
7:58:45
